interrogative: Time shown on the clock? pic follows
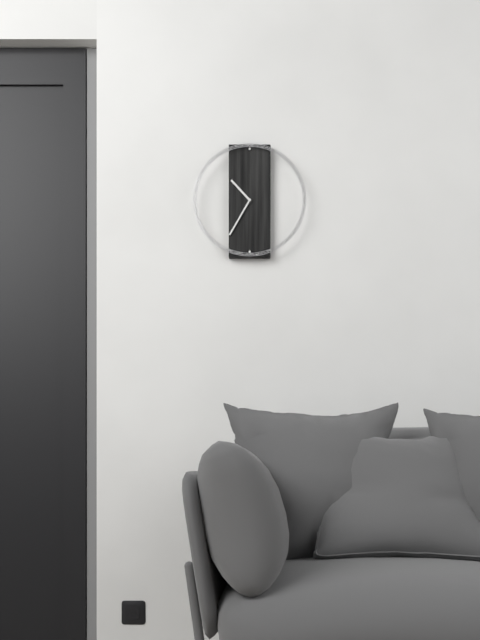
10:35
